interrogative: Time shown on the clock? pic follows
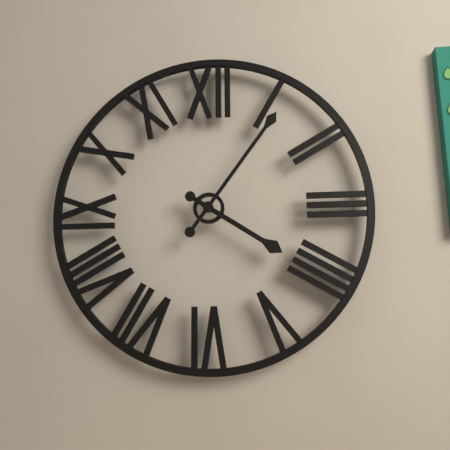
4:06
